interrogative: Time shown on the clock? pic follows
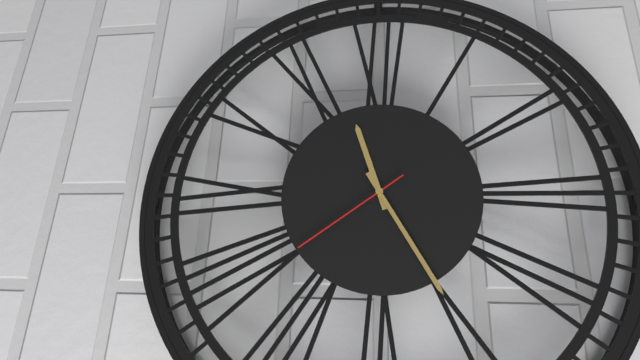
11:25:39
